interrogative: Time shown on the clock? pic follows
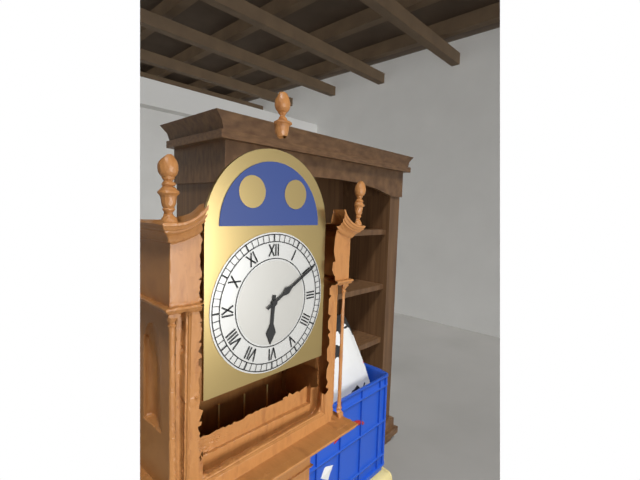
6:10
